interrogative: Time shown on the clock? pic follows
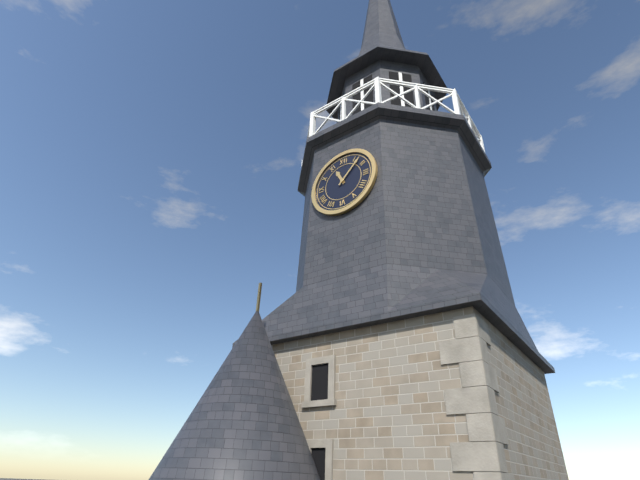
11:07
